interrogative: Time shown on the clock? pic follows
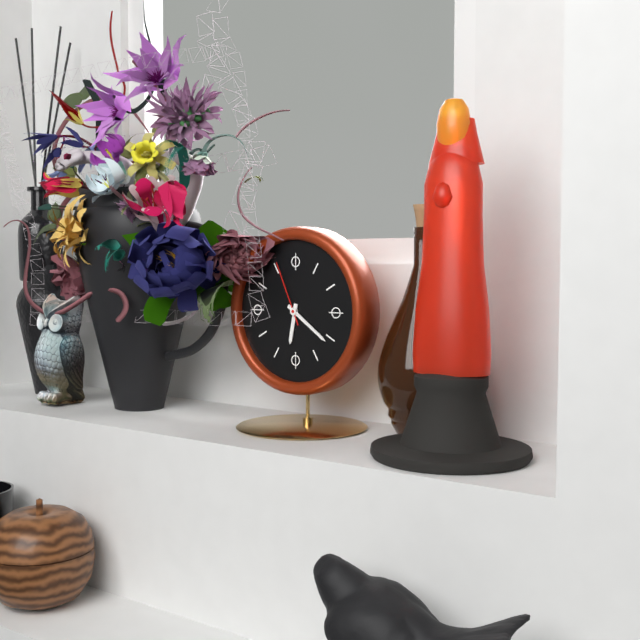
6:21:56
